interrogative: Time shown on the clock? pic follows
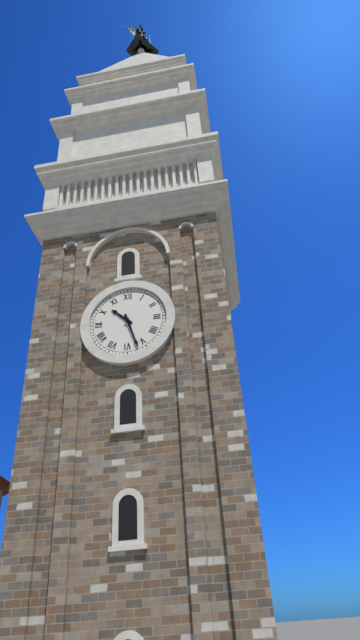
10:27
